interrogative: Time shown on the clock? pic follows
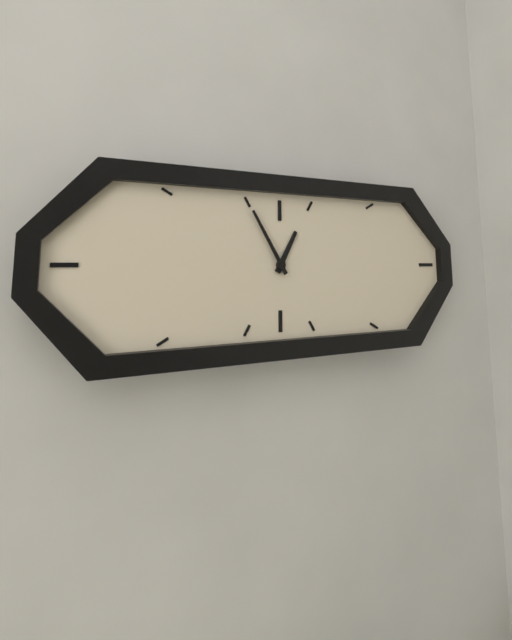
12:55
